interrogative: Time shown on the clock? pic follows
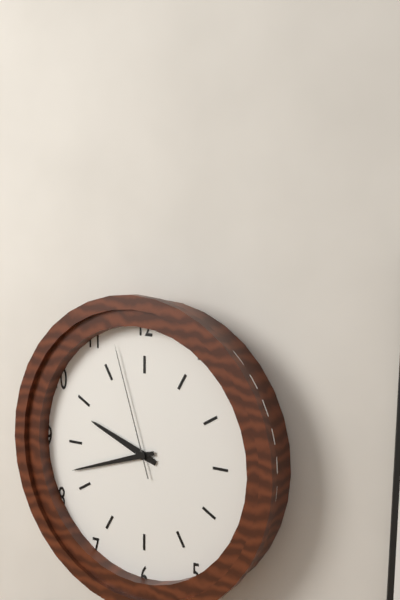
9:42:57
